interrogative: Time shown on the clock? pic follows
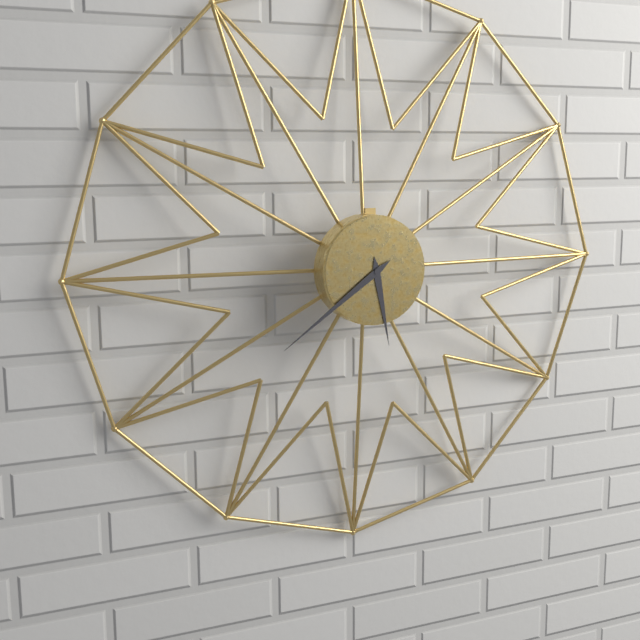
5:39
